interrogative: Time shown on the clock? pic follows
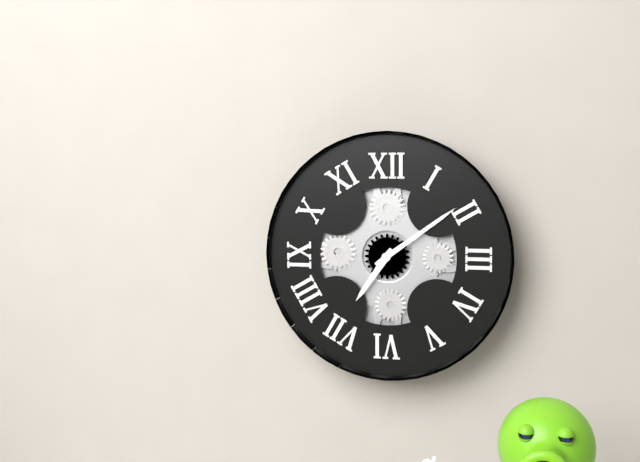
7:09
